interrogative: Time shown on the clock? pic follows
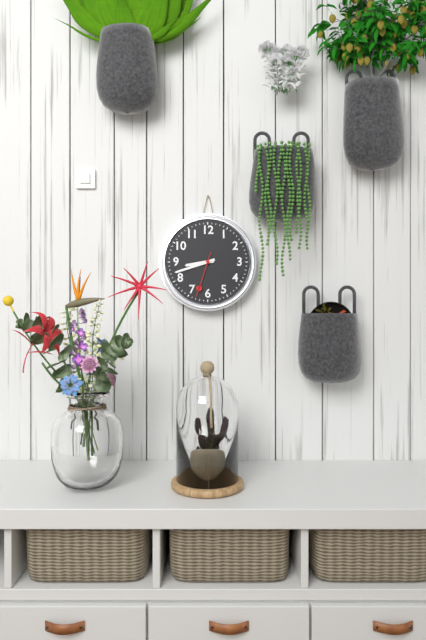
8:42
